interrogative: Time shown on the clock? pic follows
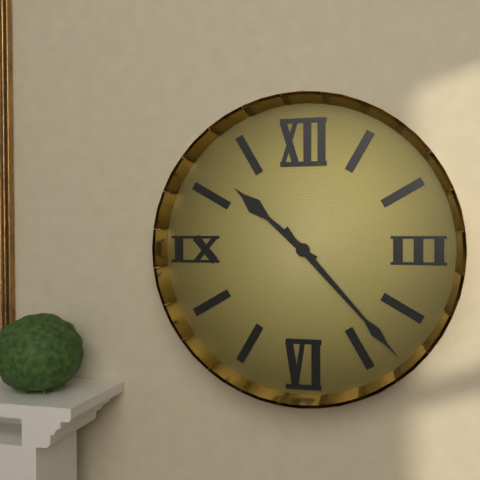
10:23
